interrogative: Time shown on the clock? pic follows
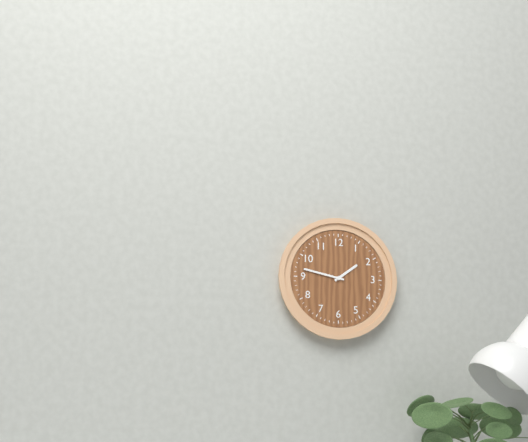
1:47
